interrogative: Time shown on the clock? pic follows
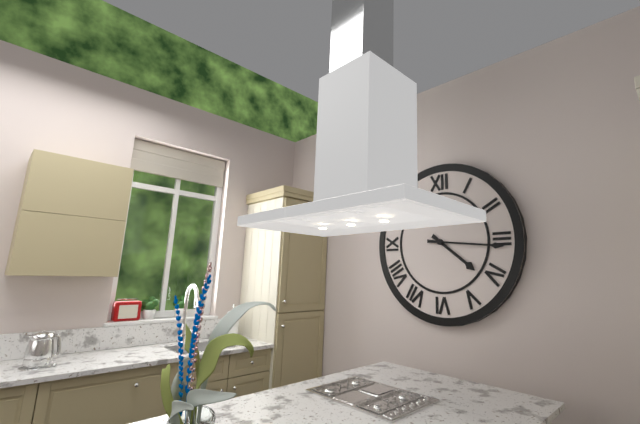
4:16
